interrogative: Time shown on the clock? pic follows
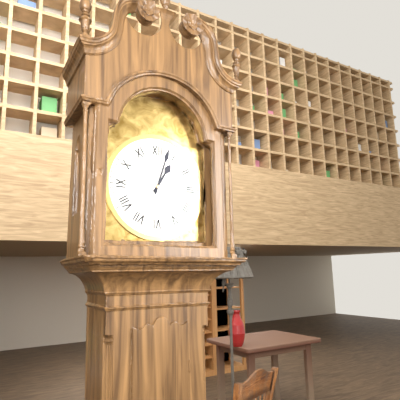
1:03
